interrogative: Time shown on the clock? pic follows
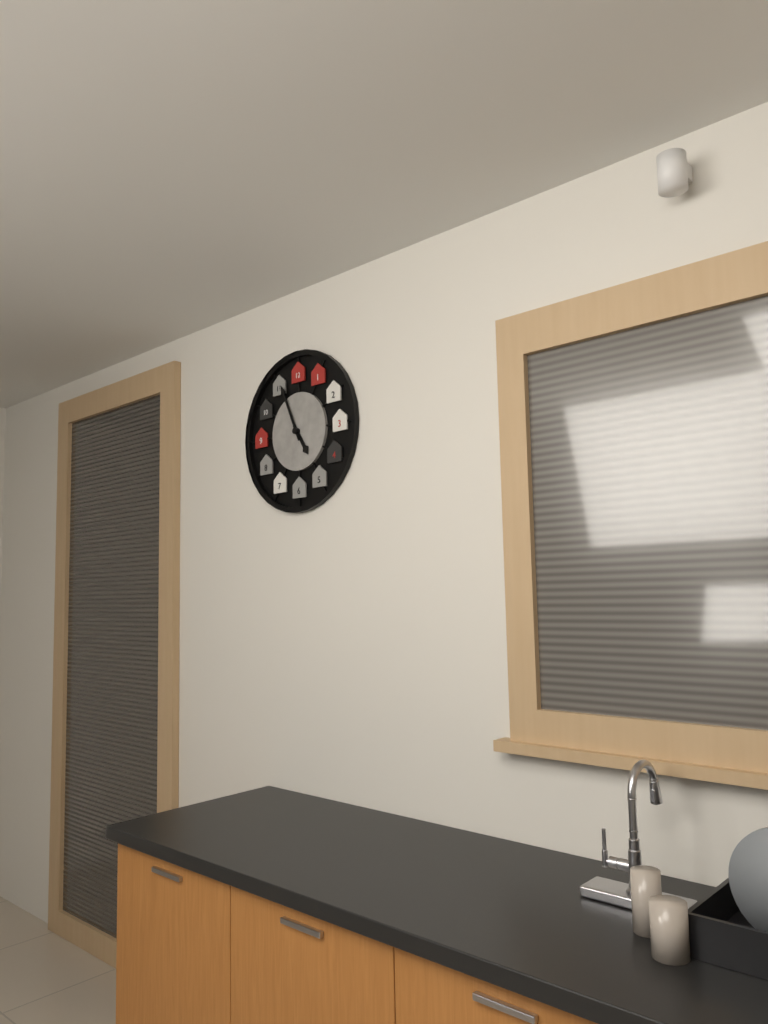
4:56
